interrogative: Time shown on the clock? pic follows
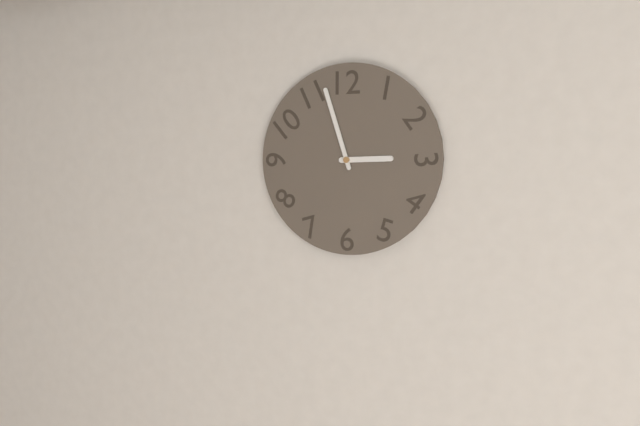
2:57
